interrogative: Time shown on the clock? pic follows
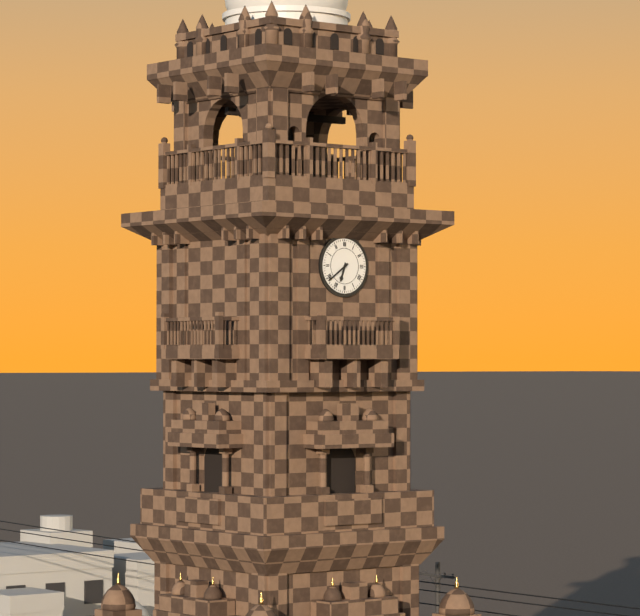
6:39
